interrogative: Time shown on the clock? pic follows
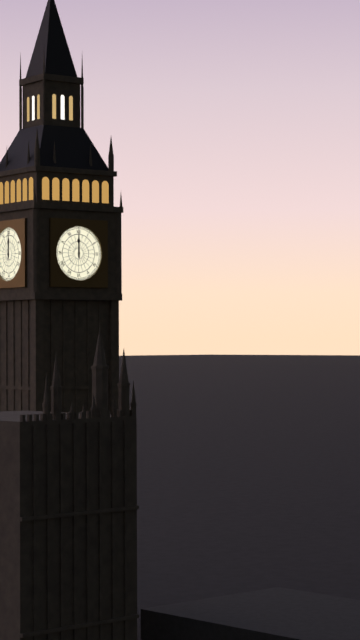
12:00
